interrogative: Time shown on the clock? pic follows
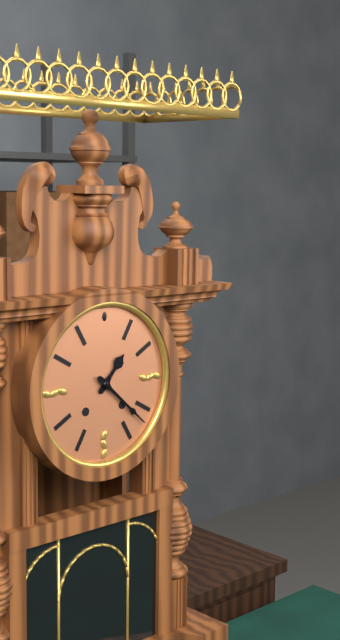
1:22
